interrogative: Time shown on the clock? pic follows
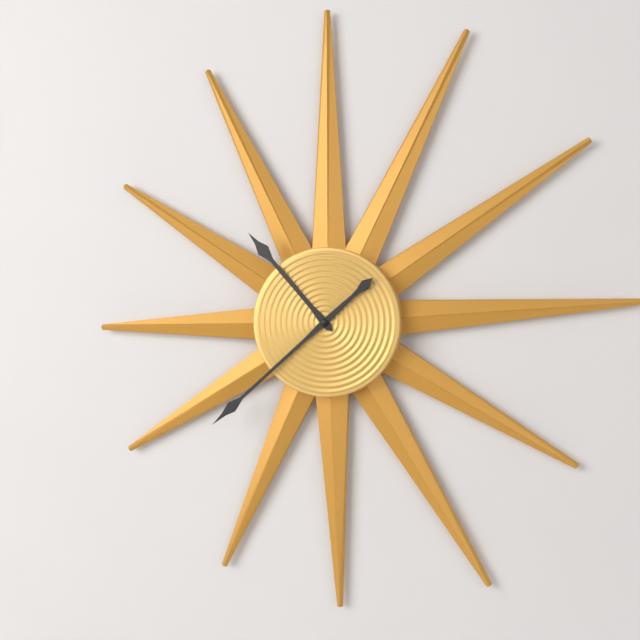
10:38
